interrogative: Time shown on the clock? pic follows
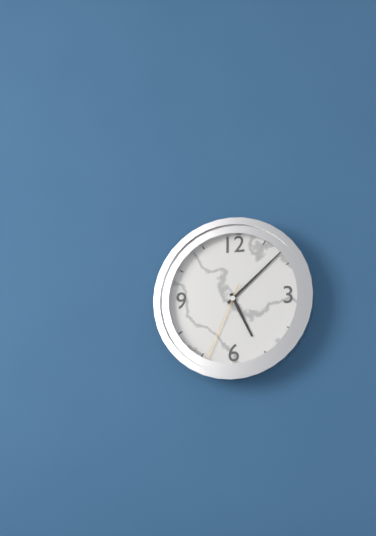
5:08:34
